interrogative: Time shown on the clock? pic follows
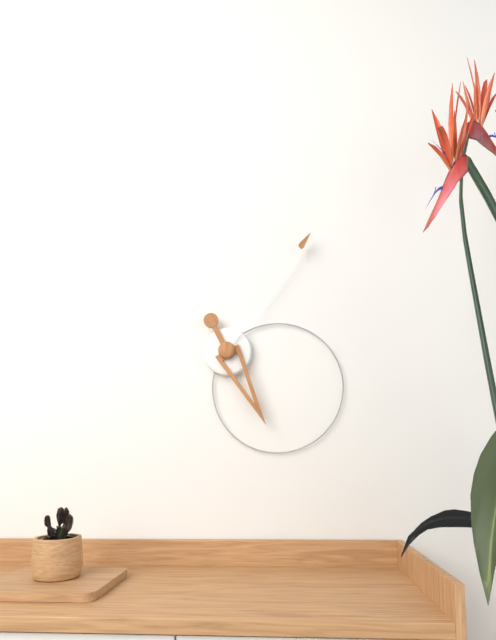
5:06
